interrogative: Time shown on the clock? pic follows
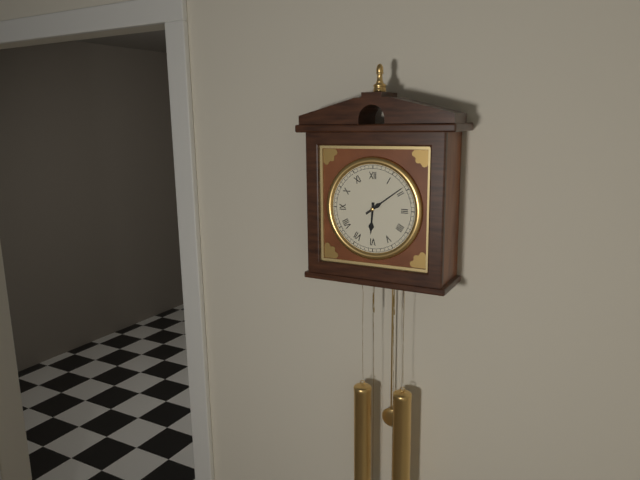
6:09
